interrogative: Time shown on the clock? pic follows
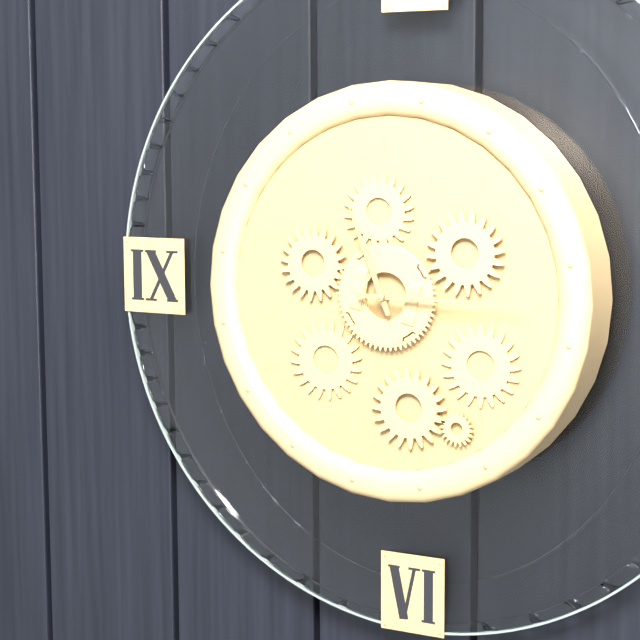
11:15
